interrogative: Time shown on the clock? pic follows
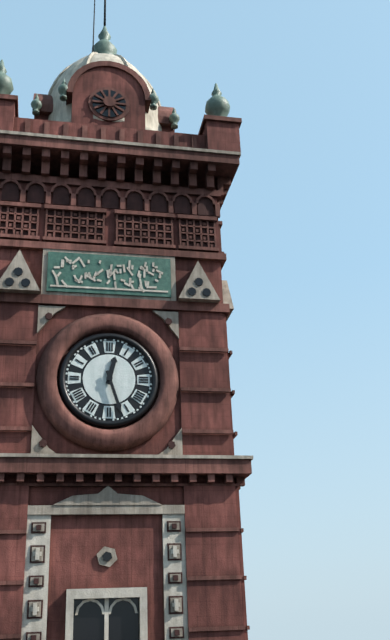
12:27
